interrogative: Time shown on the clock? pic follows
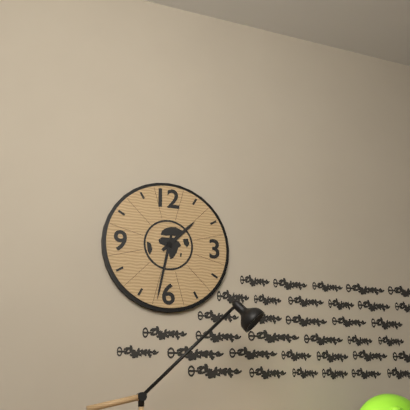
1:32
